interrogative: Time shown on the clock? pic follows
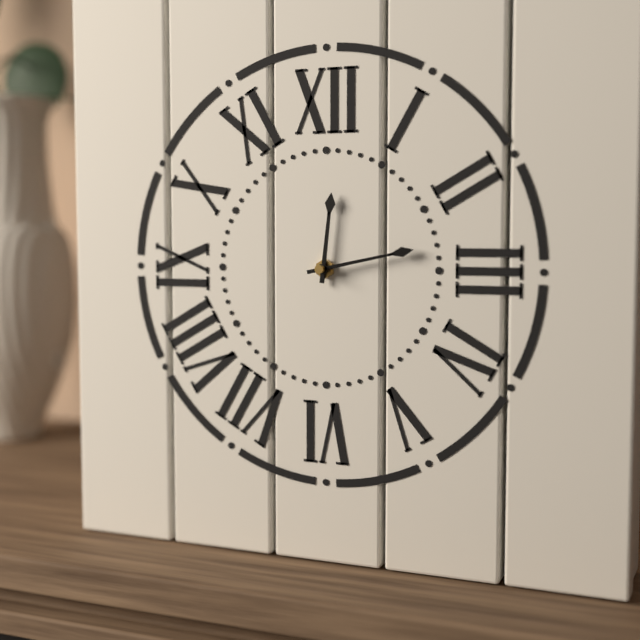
12:13
